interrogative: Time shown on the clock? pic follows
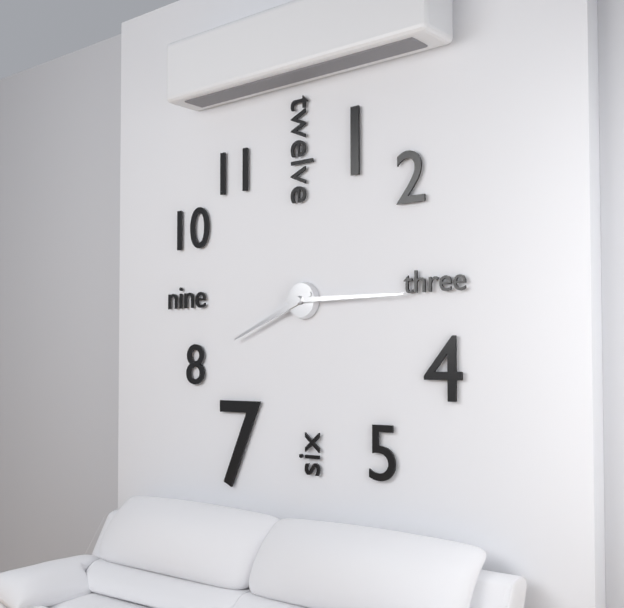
8:15
